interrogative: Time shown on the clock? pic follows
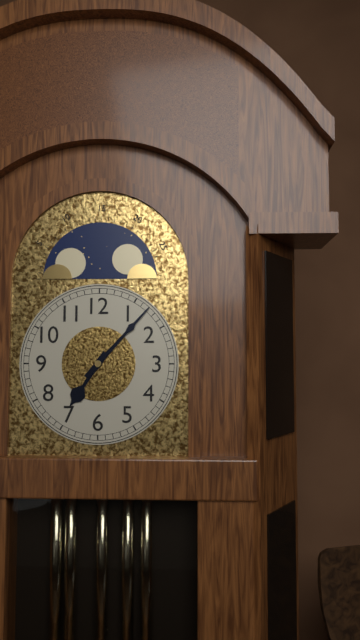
7:07
